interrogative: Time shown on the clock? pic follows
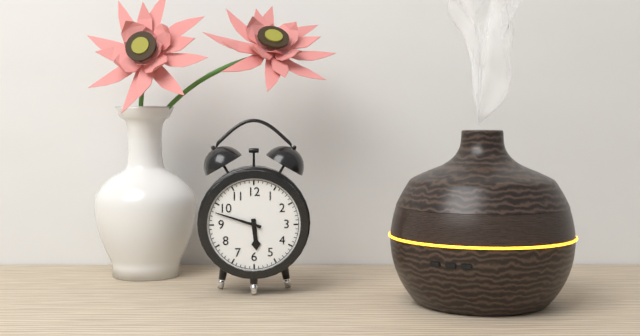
5:48
